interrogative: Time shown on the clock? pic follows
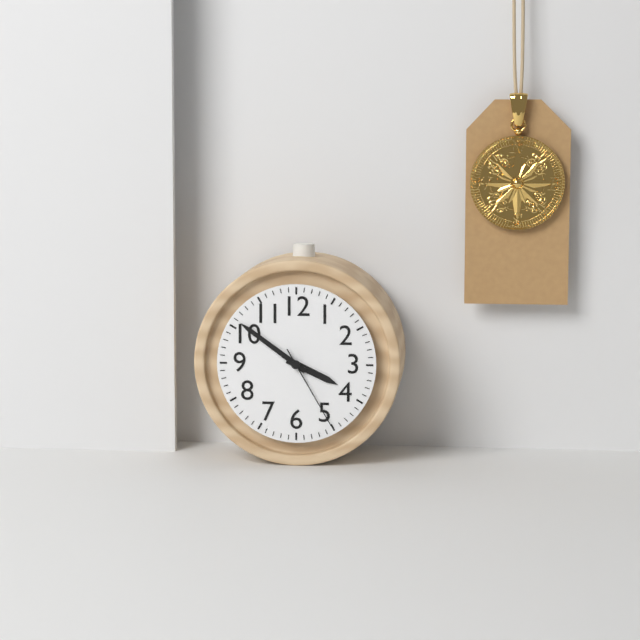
3:51:25
